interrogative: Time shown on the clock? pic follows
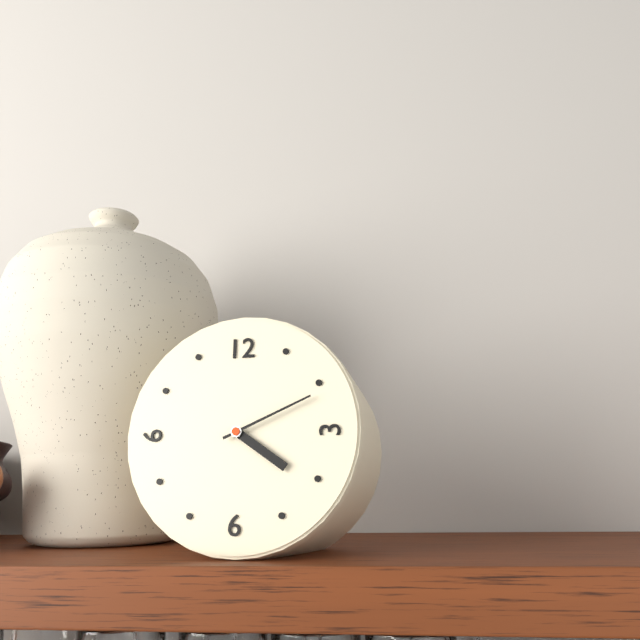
4:11
